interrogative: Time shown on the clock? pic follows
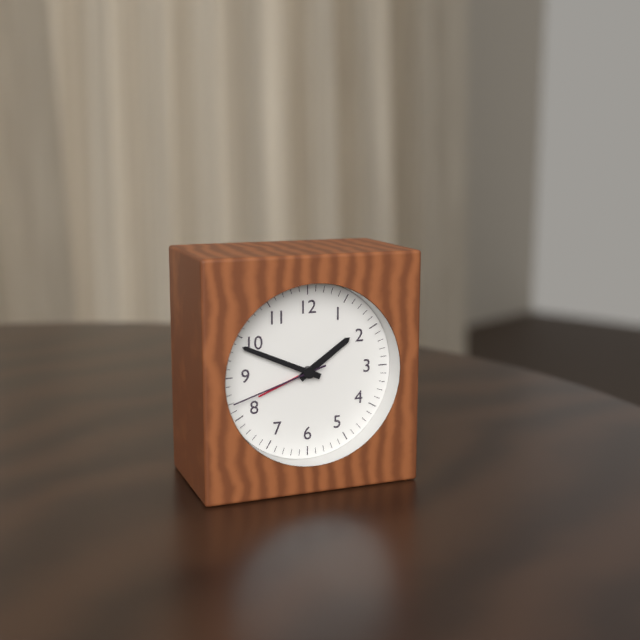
1:49:42
